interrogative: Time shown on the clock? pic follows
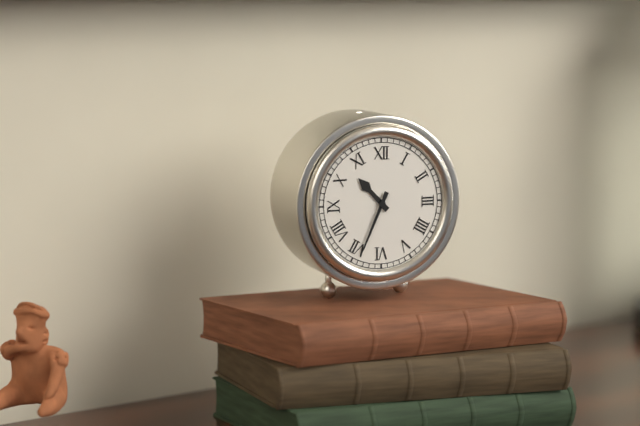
10:34
